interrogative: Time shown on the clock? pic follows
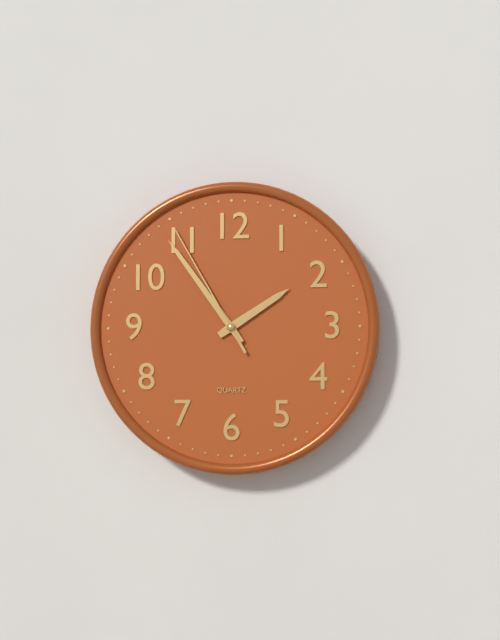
1:54:55
